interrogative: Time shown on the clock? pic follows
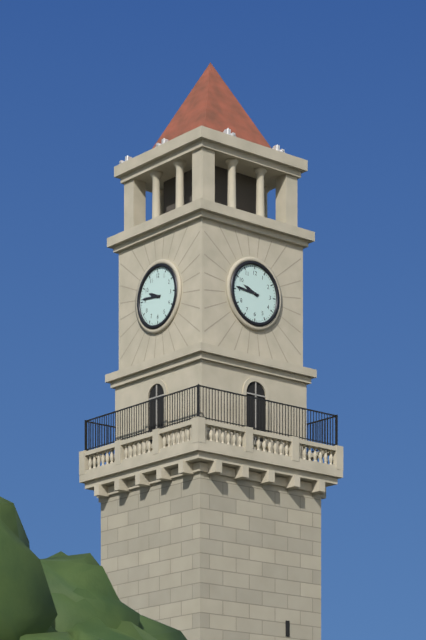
9:46
